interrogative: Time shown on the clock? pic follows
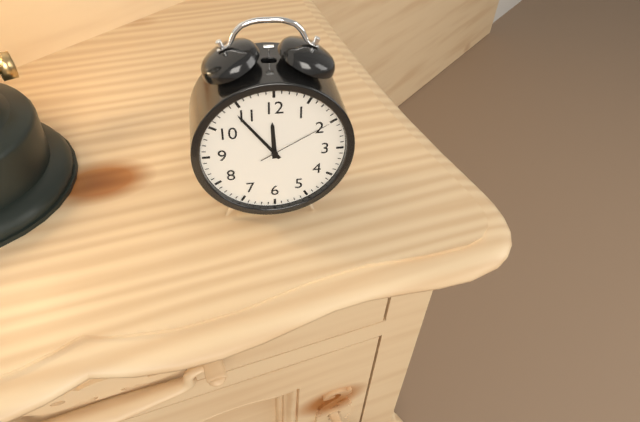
11:54:10
